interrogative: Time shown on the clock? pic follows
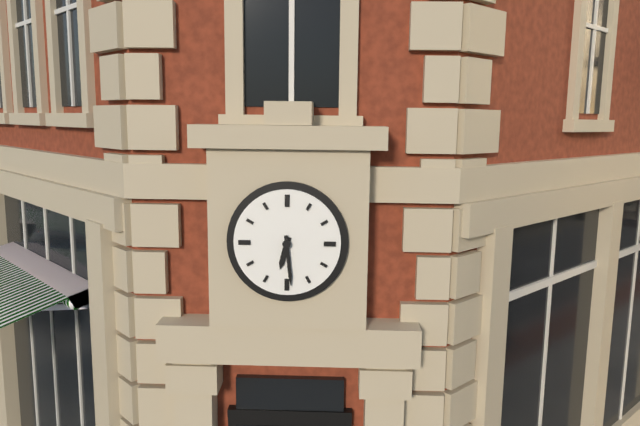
6:29
